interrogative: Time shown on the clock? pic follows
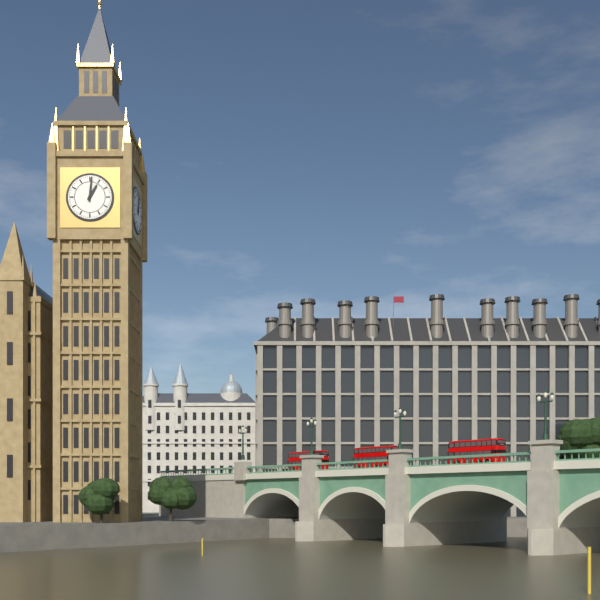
1:01
